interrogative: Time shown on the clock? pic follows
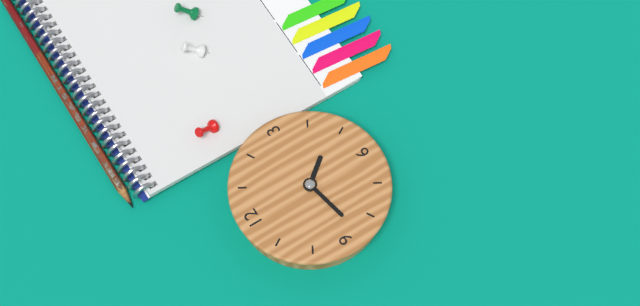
4:43
